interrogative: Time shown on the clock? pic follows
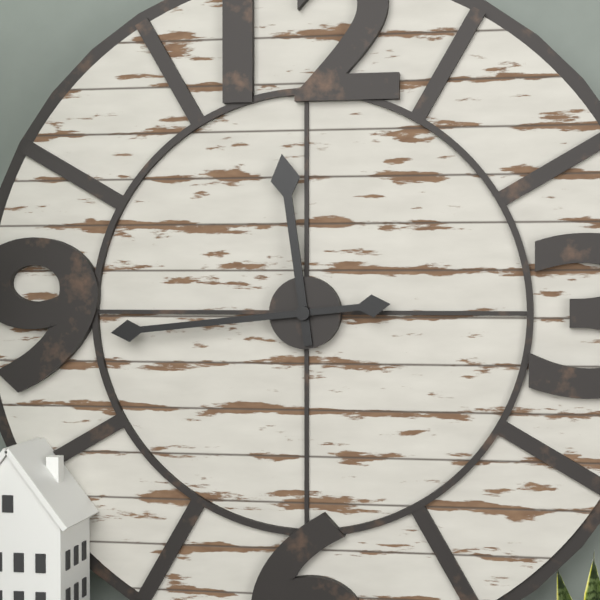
11:44
